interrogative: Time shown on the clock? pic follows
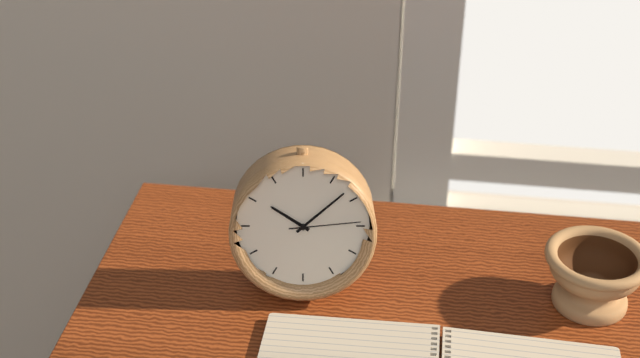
10:08:14
